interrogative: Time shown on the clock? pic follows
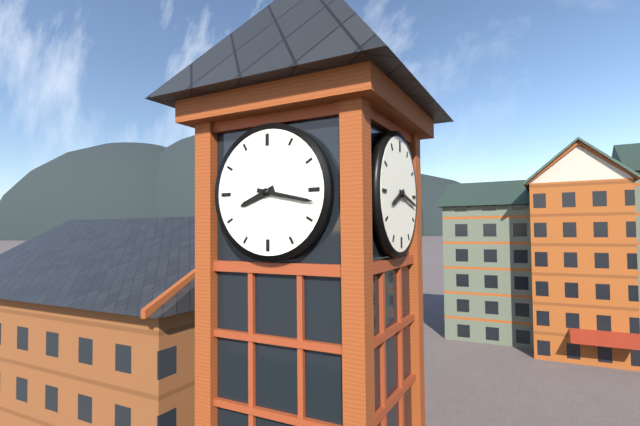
8:17
